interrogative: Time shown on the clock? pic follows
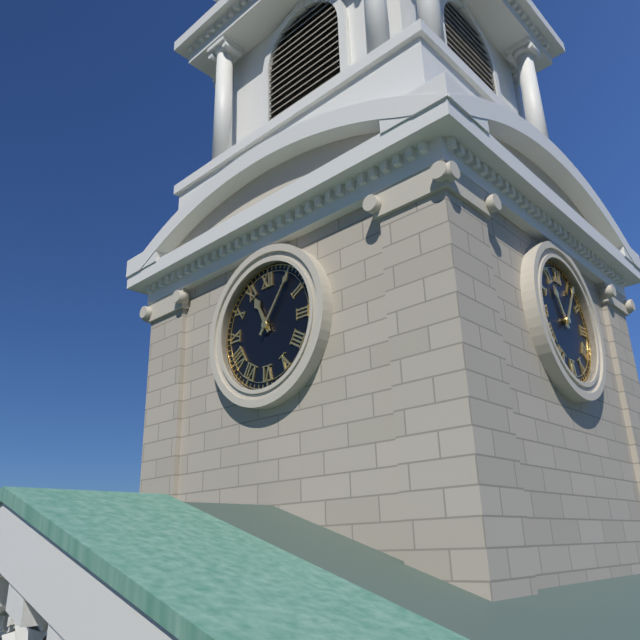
11:06
